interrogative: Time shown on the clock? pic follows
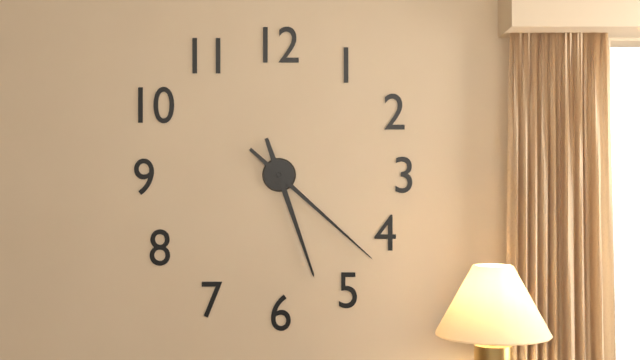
5:22
